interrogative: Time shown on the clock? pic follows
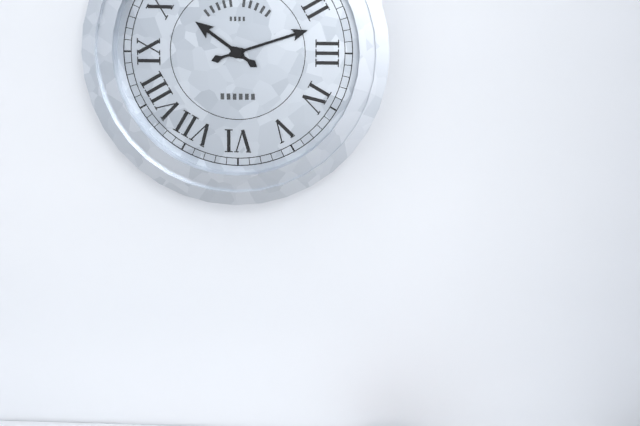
10:12
